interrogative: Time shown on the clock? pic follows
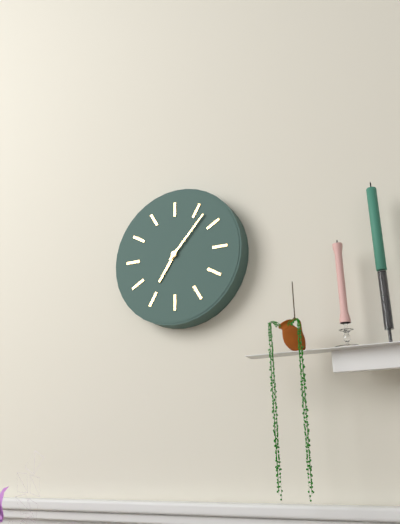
7:07
